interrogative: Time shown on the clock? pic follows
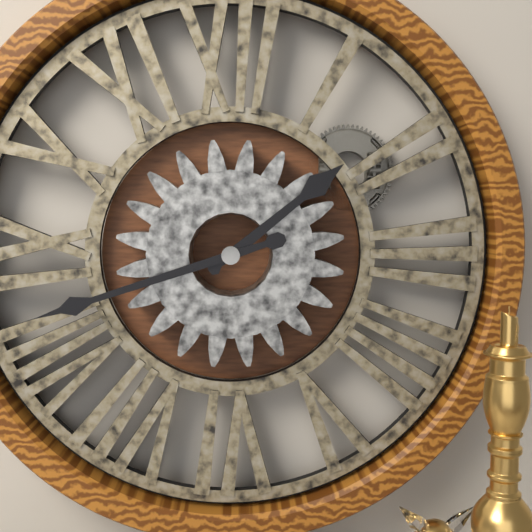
1:42
